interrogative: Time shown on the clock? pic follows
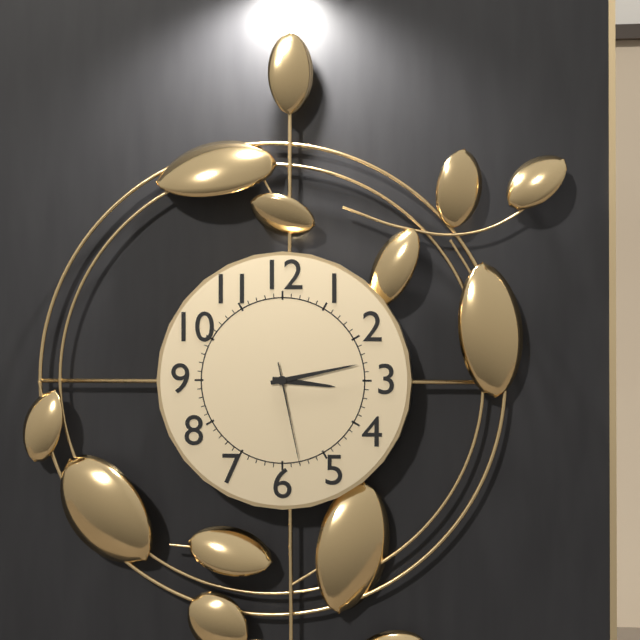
3:13:28
